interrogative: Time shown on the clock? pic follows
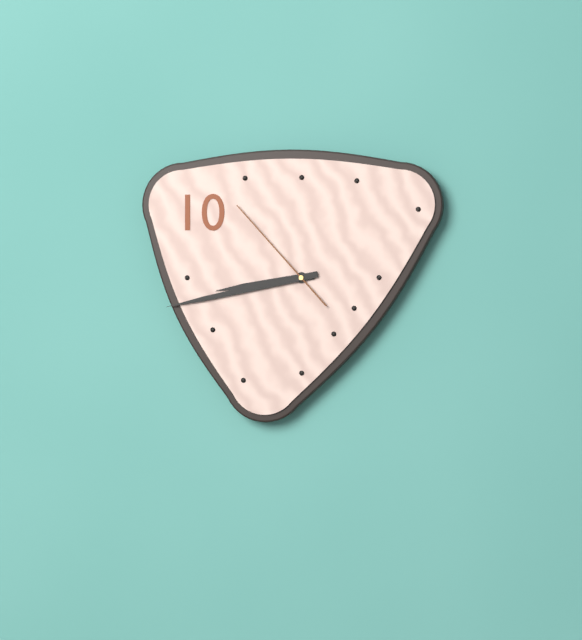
8:43:53
